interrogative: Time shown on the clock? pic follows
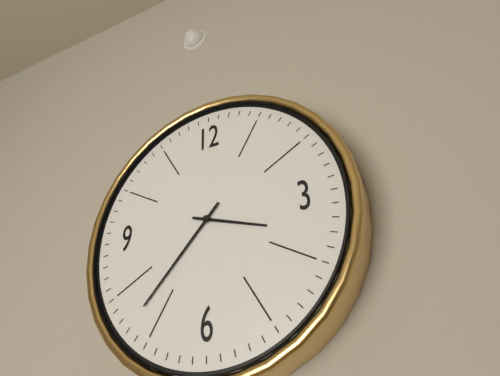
3:37
